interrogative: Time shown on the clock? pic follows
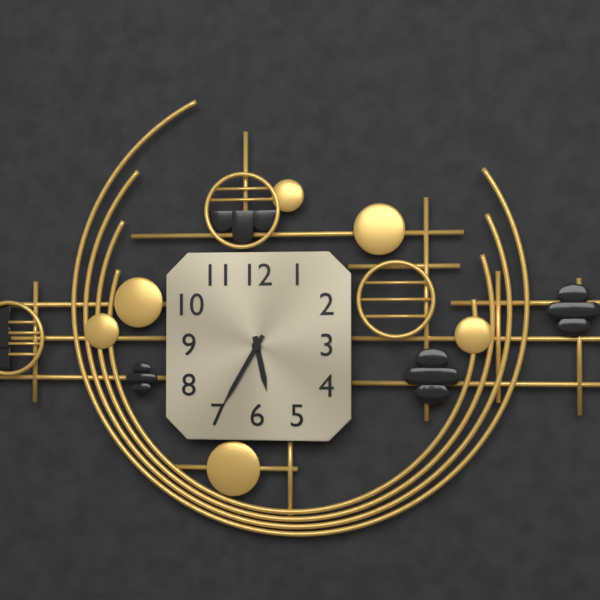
5:35
